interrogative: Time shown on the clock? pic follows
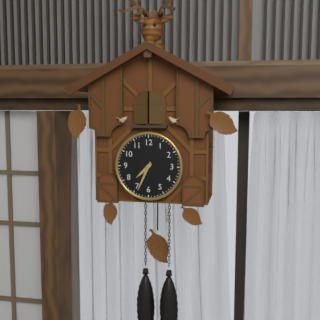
7:34
